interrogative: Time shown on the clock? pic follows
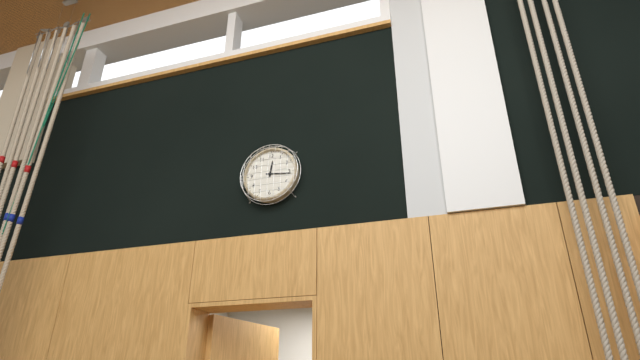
12:16
